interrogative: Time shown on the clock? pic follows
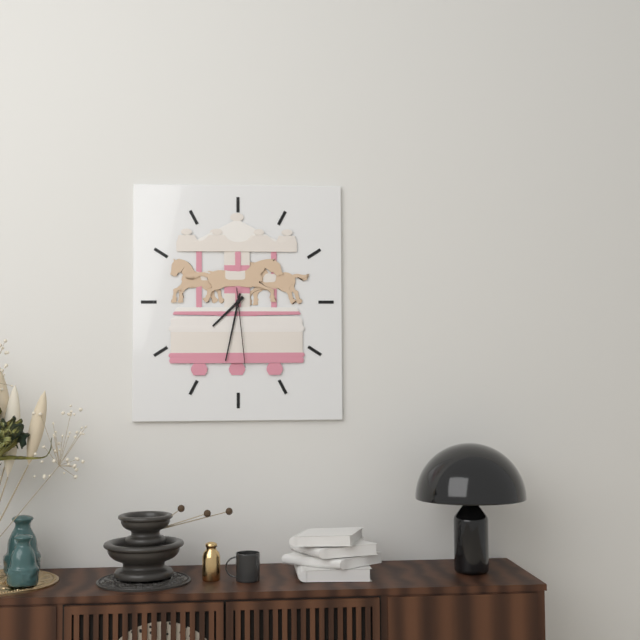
7:32:29
